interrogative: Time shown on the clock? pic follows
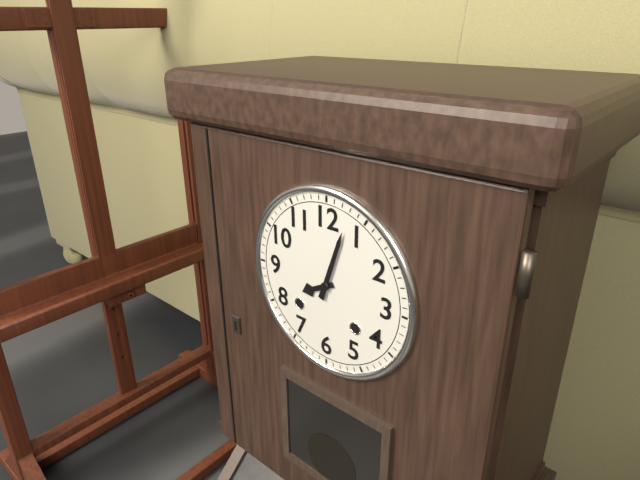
8:03
